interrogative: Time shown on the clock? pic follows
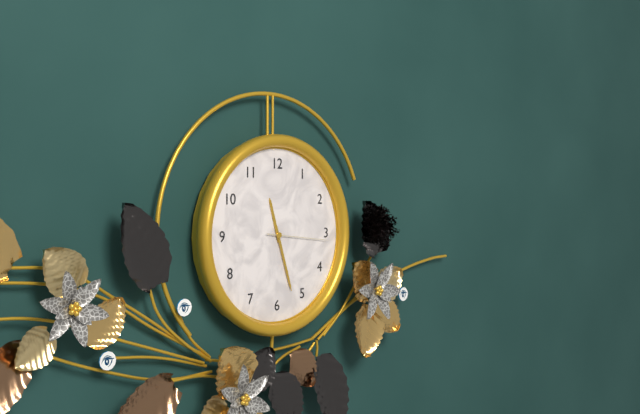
11:27:16
